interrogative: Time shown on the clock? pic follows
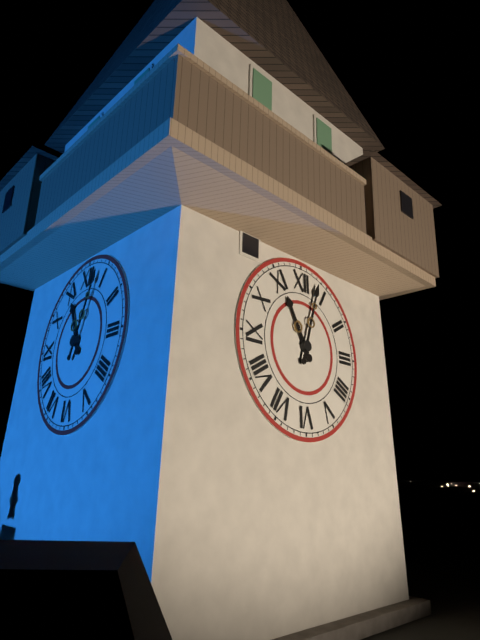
11:03
